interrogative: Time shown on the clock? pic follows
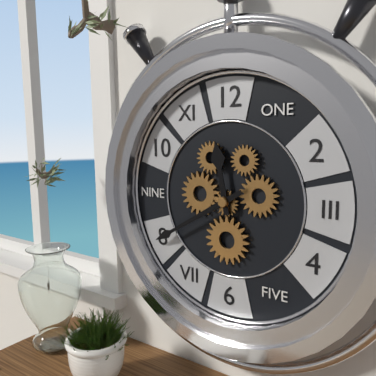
11:40
